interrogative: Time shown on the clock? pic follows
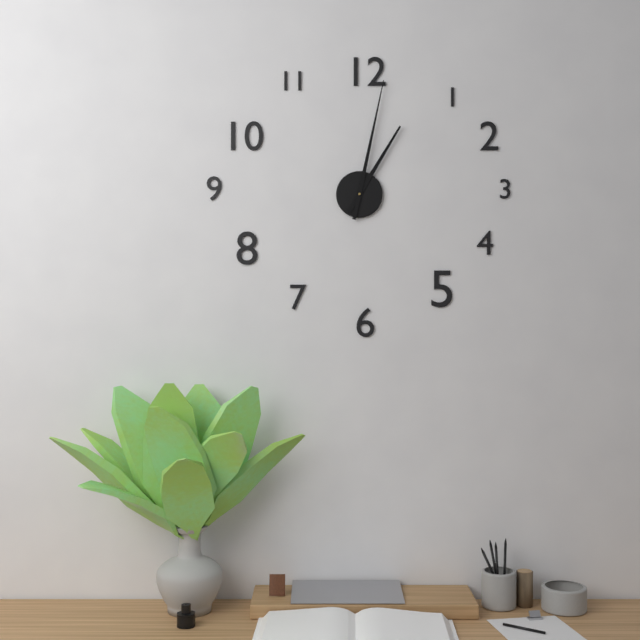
1:02
